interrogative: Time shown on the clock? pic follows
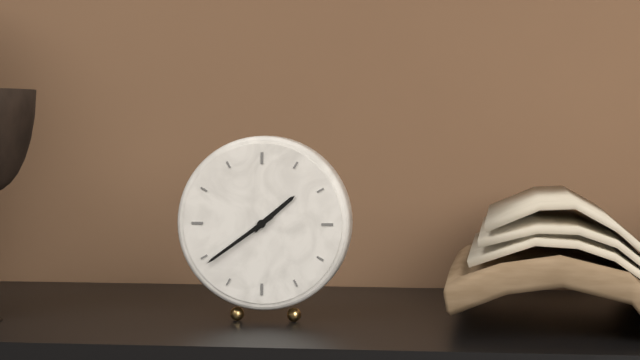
1:39
